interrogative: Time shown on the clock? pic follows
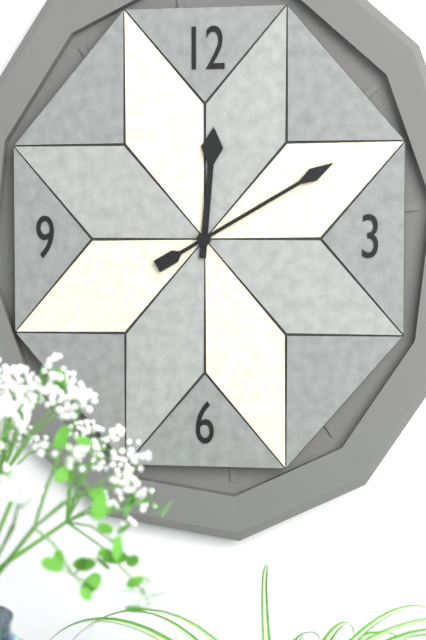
12:10
